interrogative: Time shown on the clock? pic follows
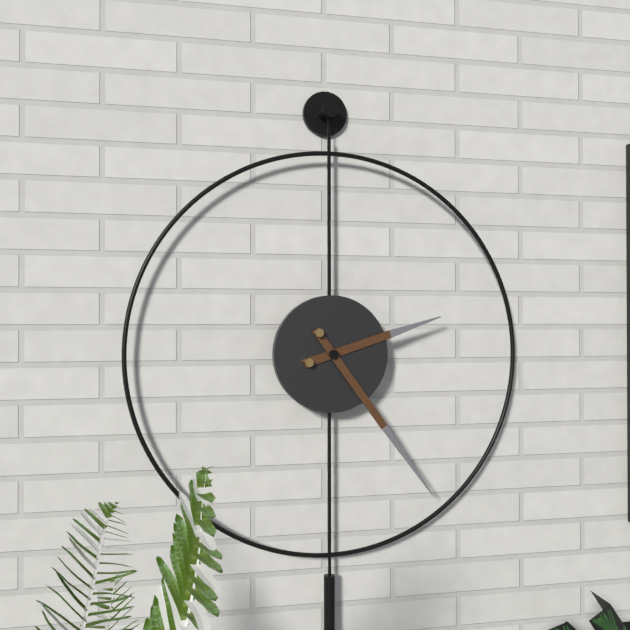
2:24
